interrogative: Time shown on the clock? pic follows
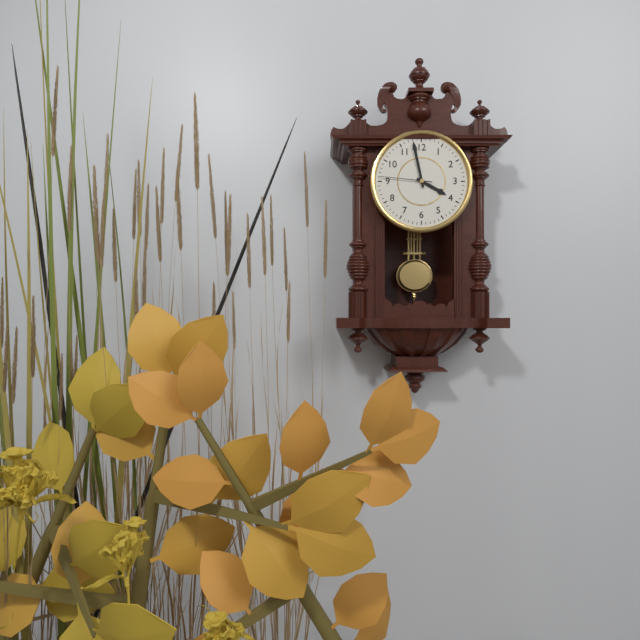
3:58:46
